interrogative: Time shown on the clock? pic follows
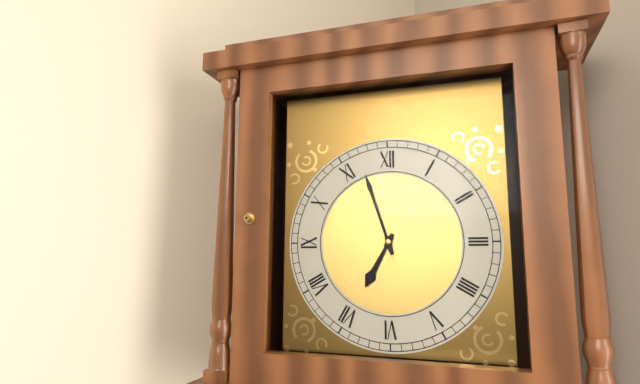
6:57
